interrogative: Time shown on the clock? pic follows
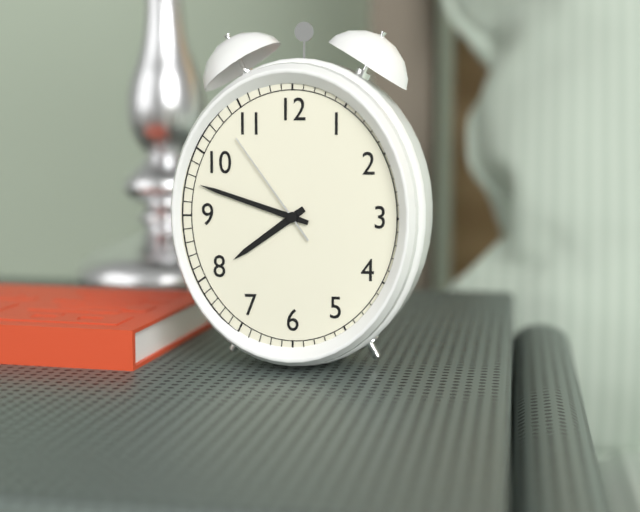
7:48:54
